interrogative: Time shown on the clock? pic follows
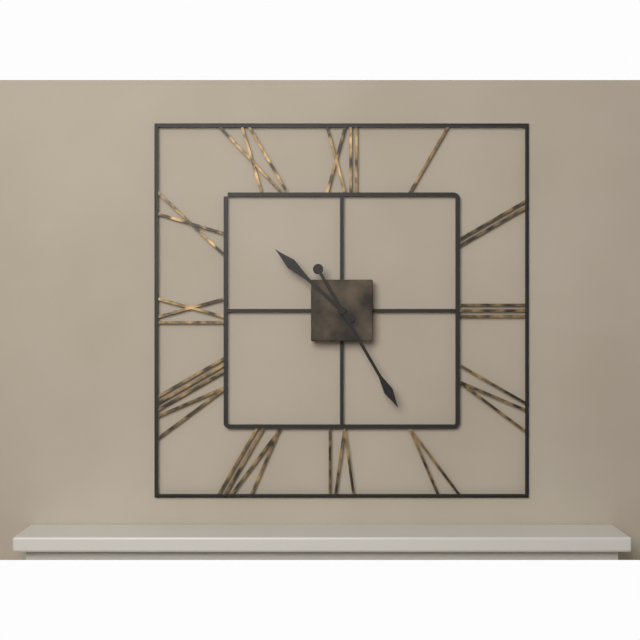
10:25
